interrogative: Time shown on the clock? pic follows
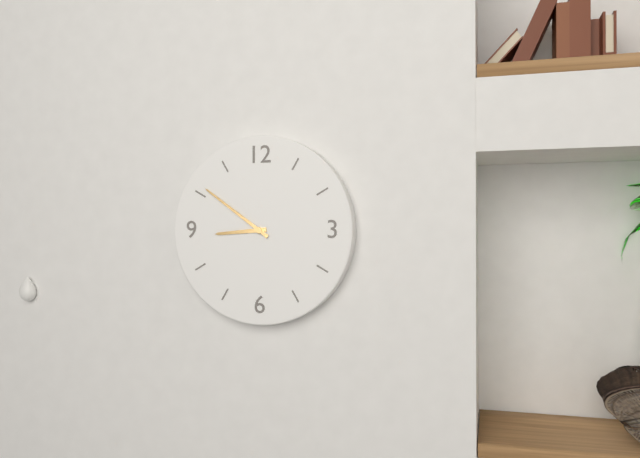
8:51
